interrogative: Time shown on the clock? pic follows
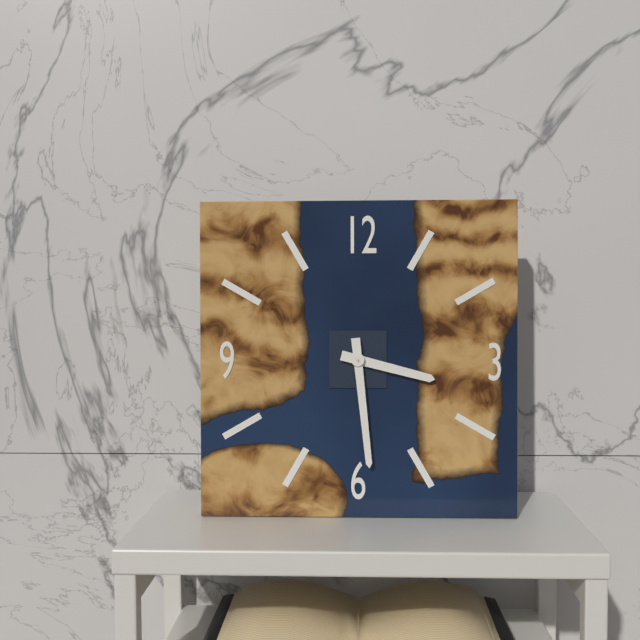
3:29
